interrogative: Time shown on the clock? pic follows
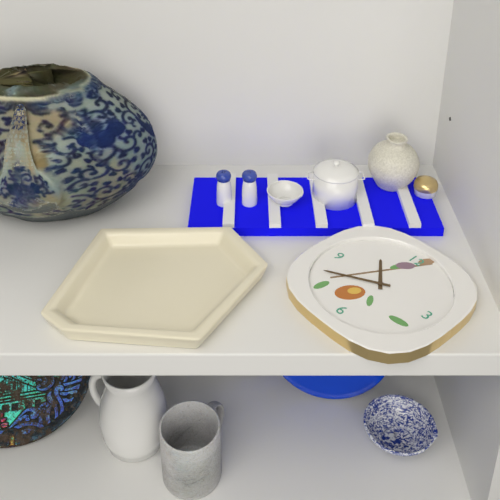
10:40
